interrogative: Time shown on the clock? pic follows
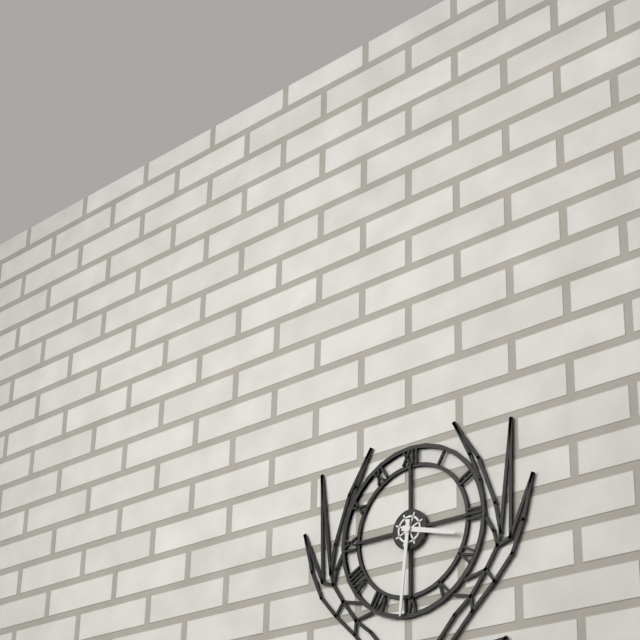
3:31
